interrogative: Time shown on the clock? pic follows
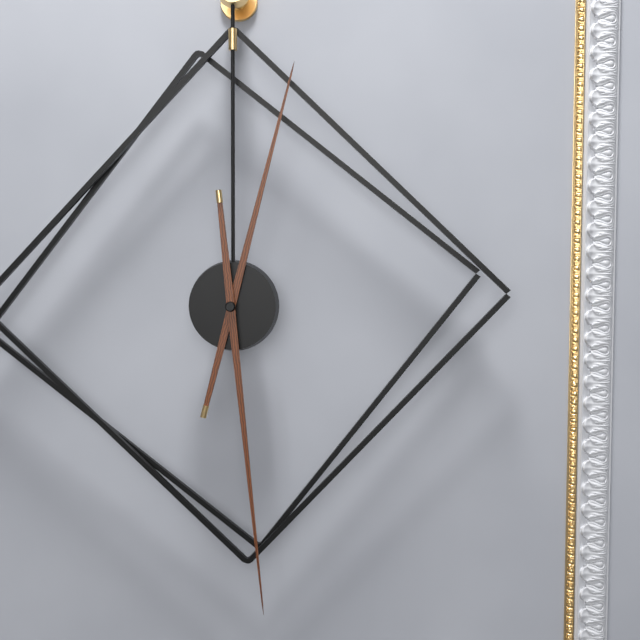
12:29
